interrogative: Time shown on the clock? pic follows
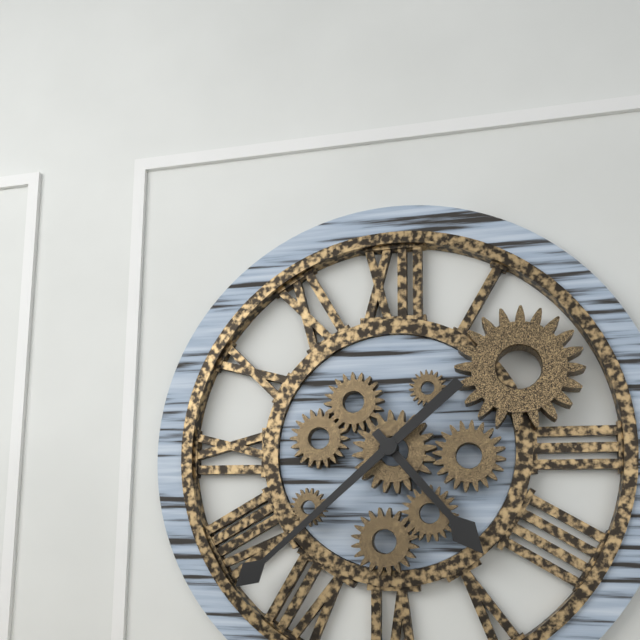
4:38
